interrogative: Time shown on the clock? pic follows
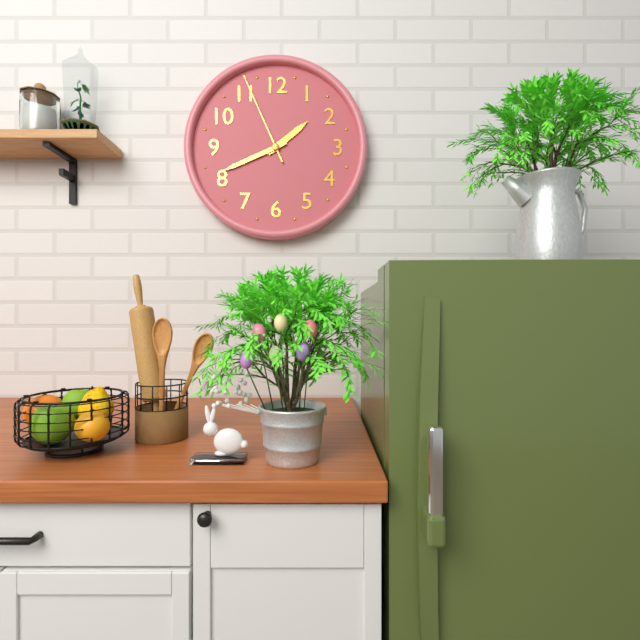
1:41:56
